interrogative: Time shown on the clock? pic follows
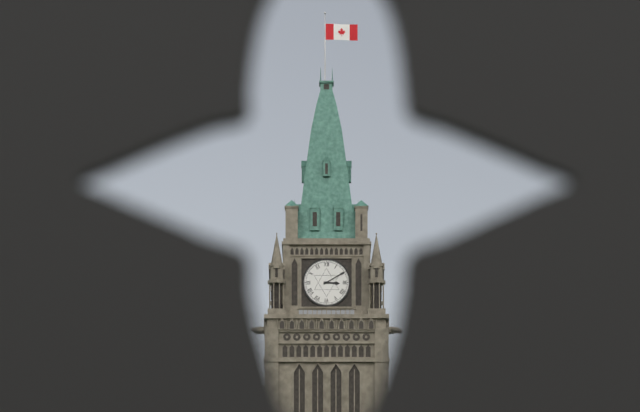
3:10
